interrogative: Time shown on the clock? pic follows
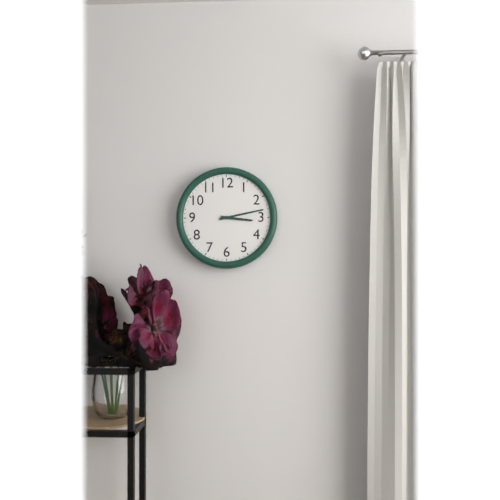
3:13
